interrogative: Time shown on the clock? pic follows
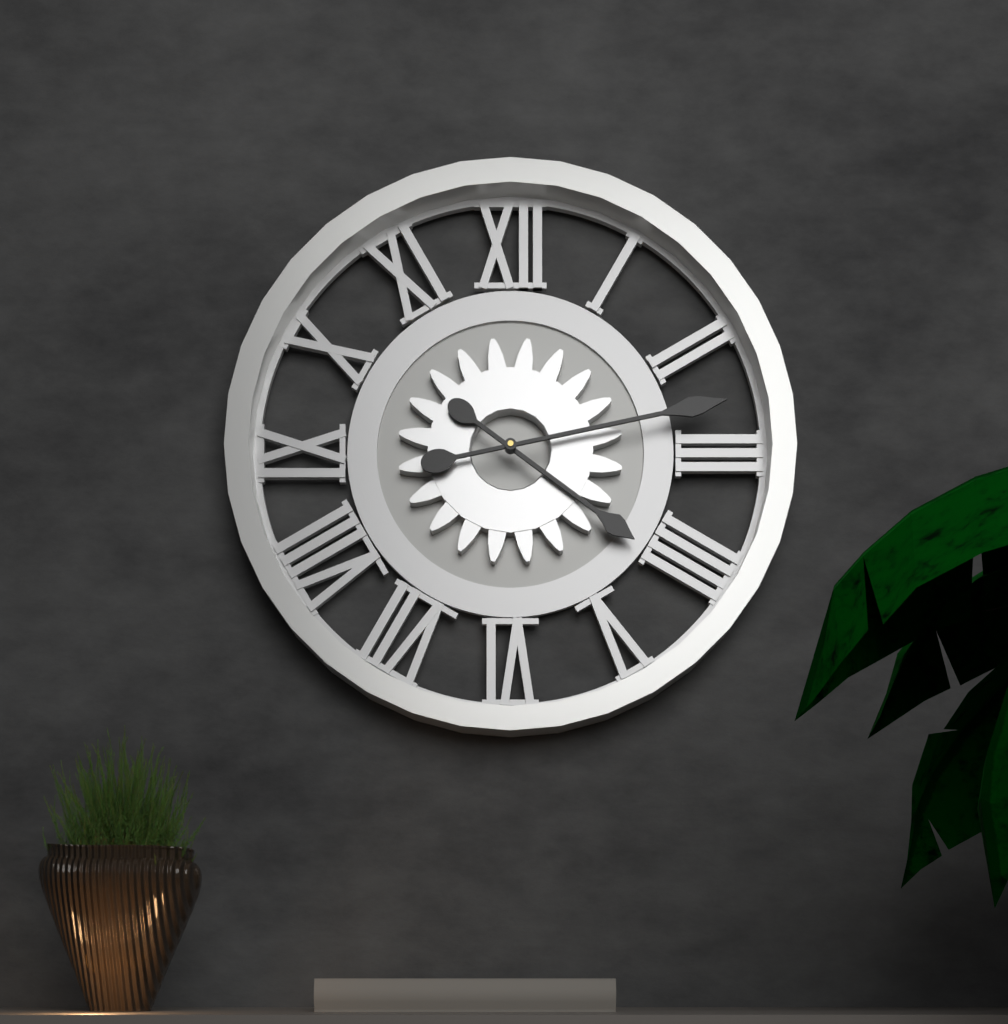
4:13
